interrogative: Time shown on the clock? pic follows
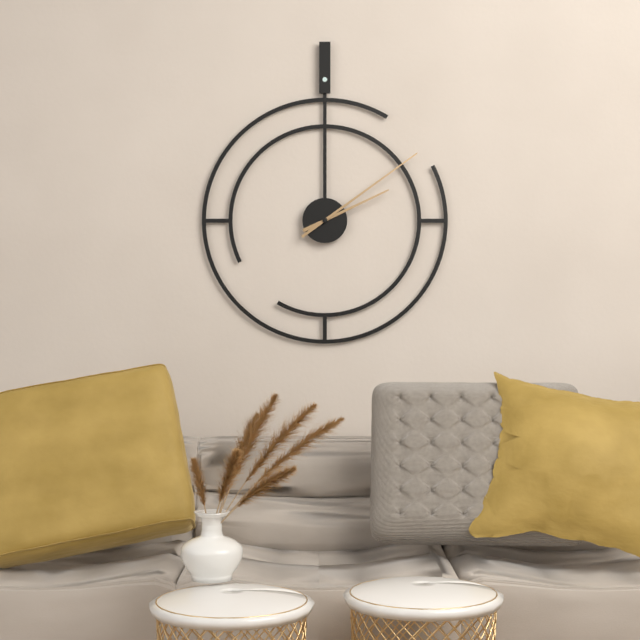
2:09
